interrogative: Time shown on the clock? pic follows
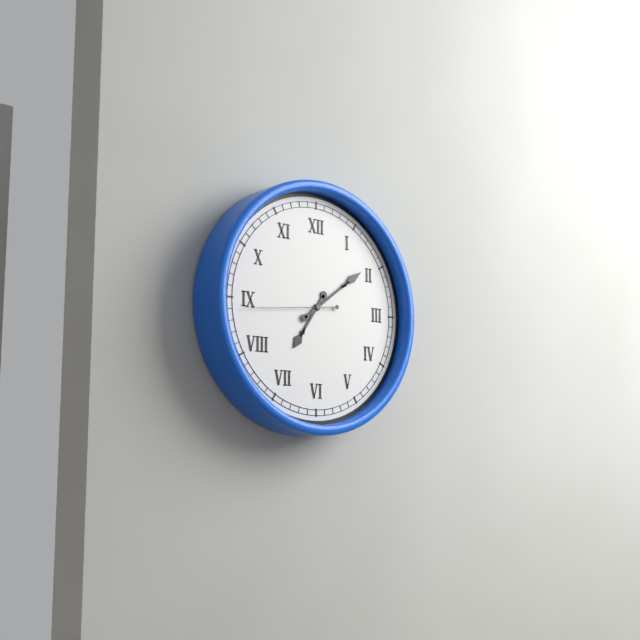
7:09:44
